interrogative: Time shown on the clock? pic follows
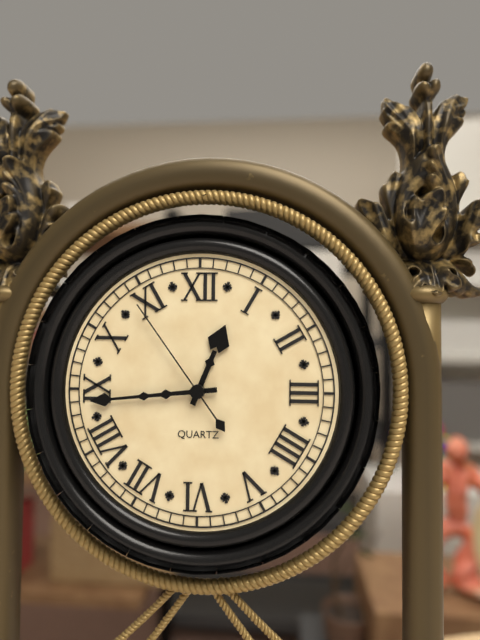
12:44:54
